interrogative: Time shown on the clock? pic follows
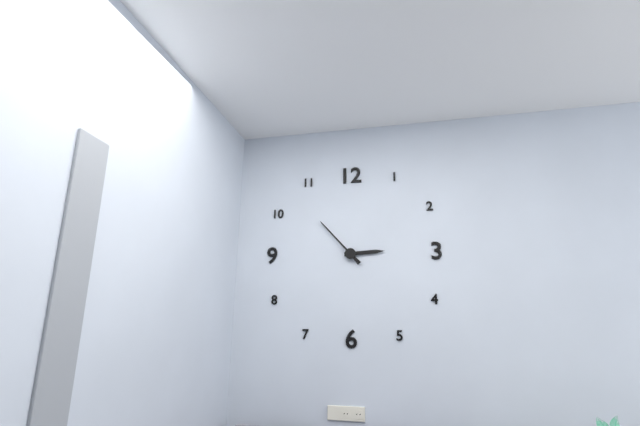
2:53
